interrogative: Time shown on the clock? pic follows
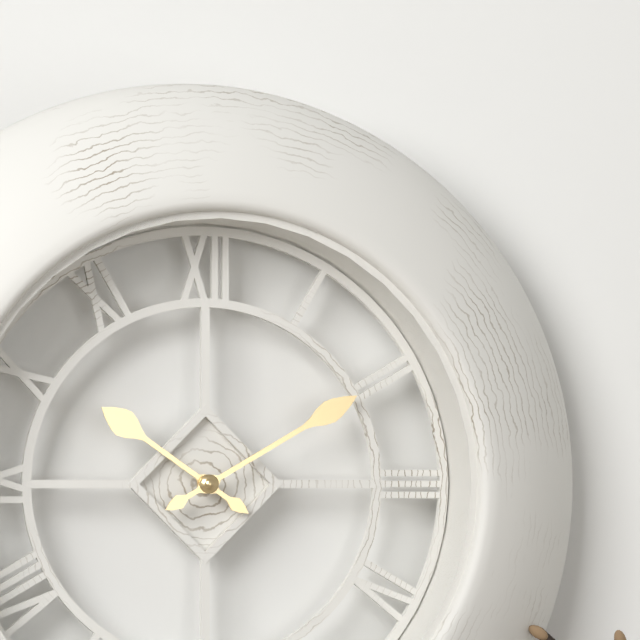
10:10
